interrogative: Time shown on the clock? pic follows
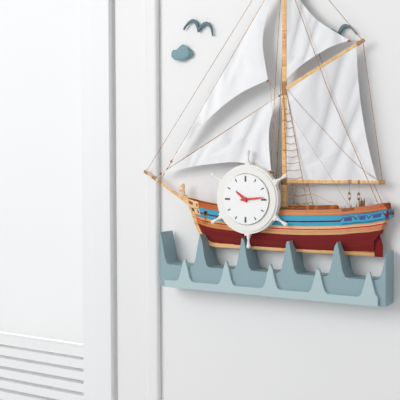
10:14
